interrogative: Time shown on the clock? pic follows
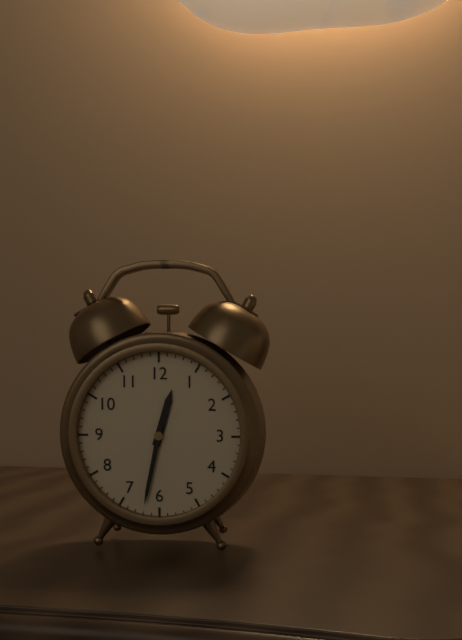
12:32
